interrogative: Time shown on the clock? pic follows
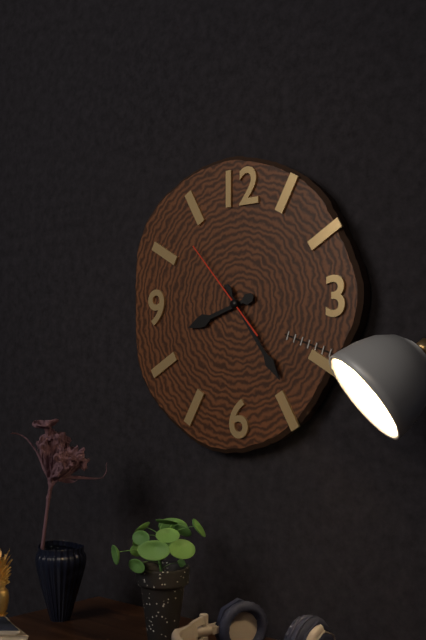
8:24:53
